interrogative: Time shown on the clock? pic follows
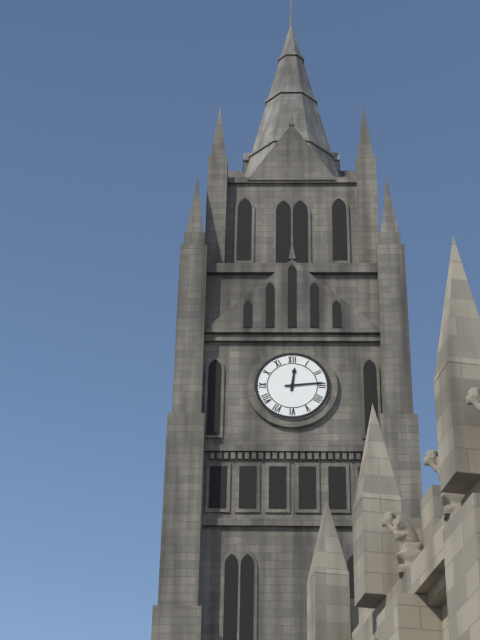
12:14
